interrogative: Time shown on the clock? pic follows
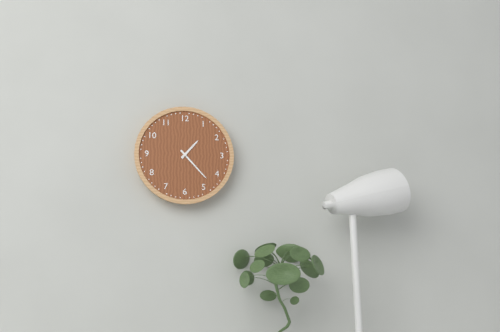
1:23
